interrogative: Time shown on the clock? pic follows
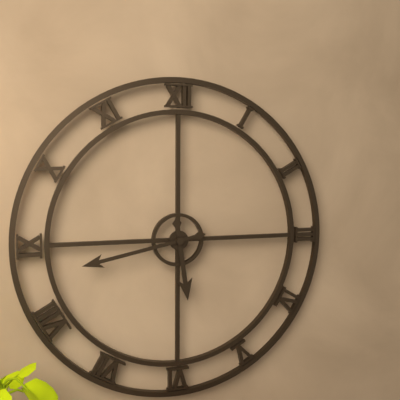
5:43
